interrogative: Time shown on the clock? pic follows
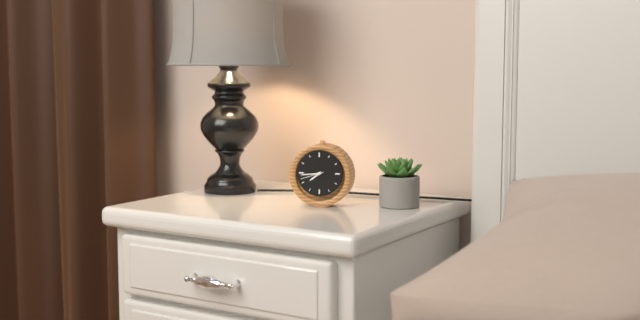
7:44
